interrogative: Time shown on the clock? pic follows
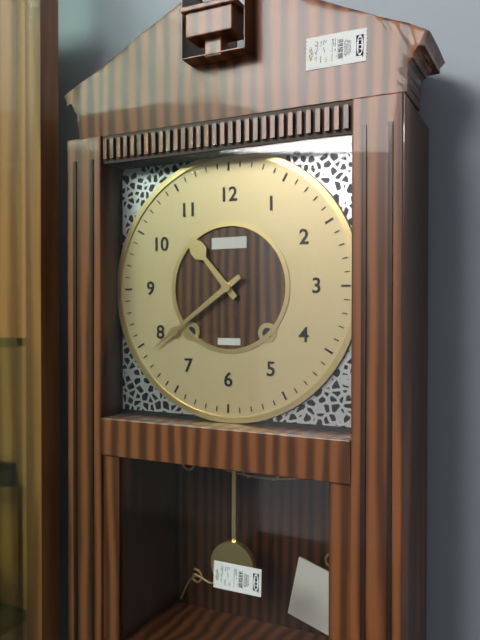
10:39
